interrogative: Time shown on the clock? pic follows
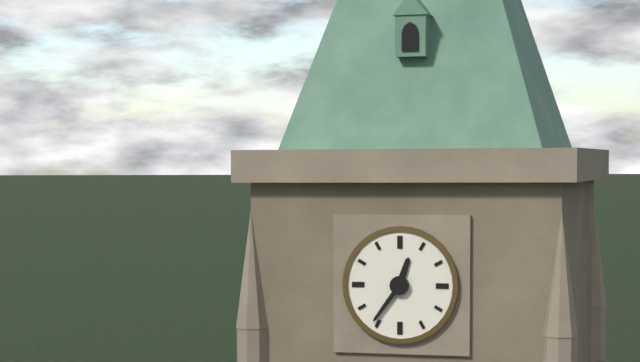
12:36
